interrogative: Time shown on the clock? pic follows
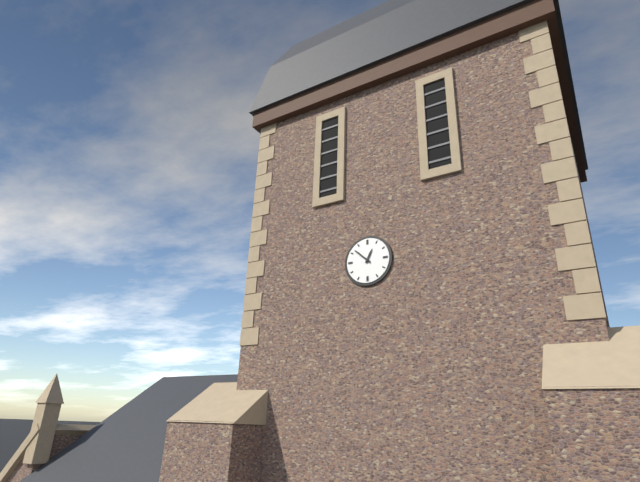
12:52
